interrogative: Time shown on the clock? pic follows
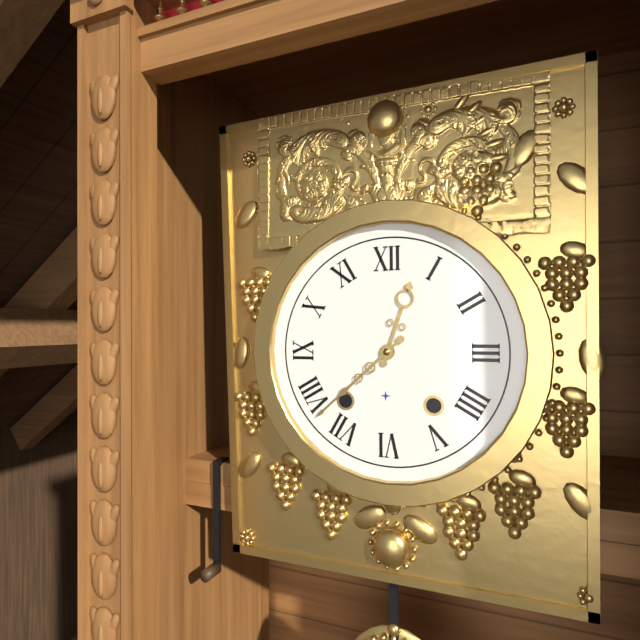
12:38
